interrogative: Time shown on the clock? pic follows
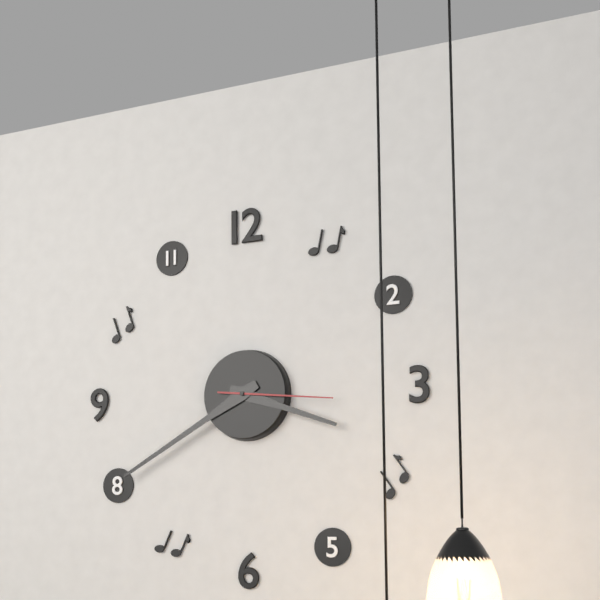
3:40:16
